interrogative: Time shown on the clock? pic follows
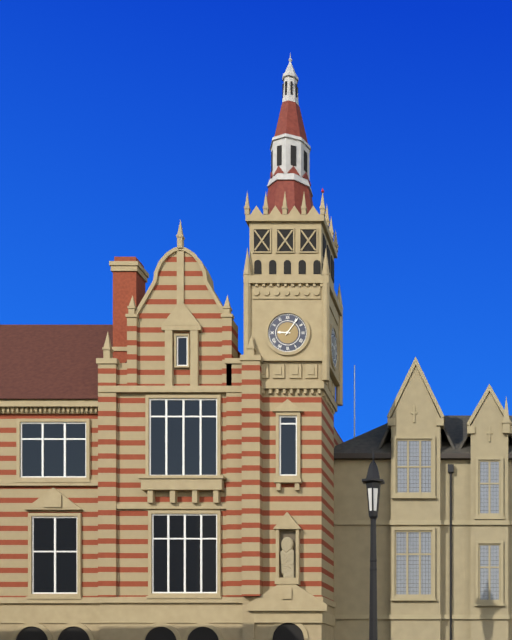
9:06
